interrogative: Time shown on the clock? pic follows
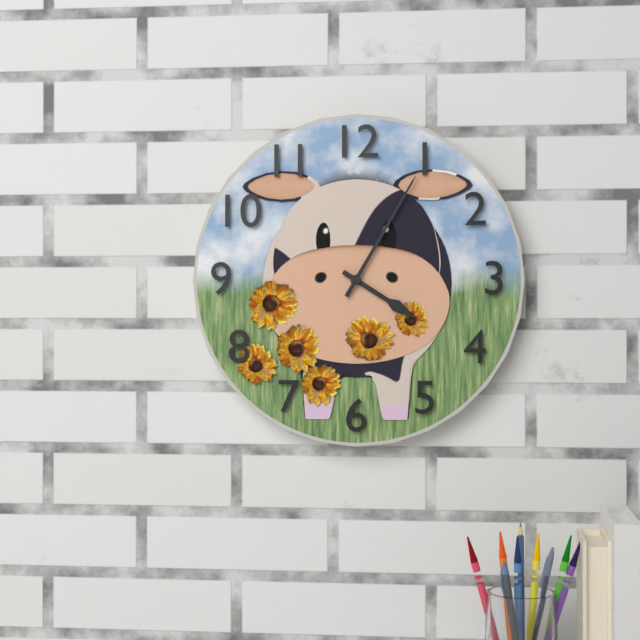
4:05
